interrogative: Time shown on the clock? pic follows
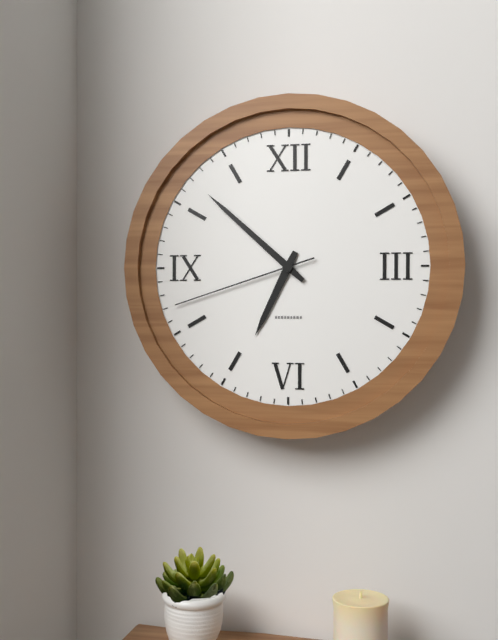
6:52:42
